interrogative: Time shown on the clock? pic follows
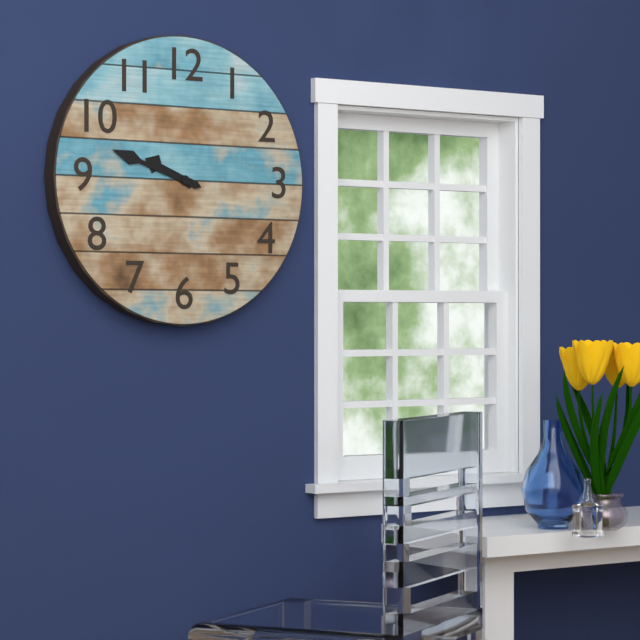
9:48
